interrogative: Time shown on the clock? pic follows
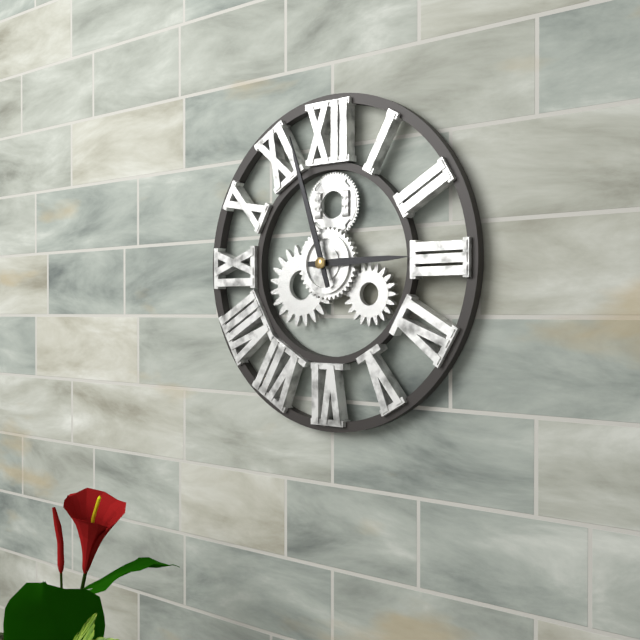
2:57
